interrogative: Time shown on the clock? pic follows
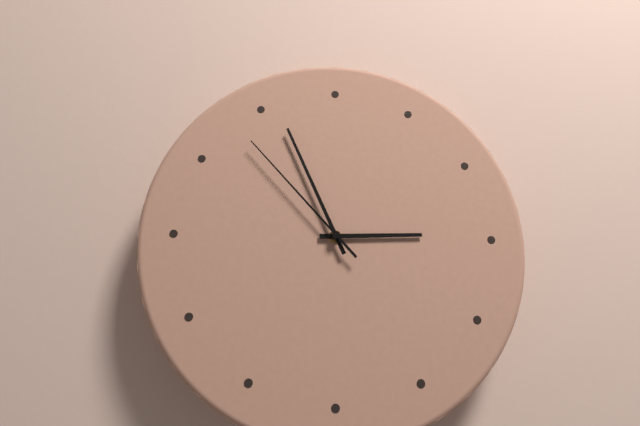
2:56:53
